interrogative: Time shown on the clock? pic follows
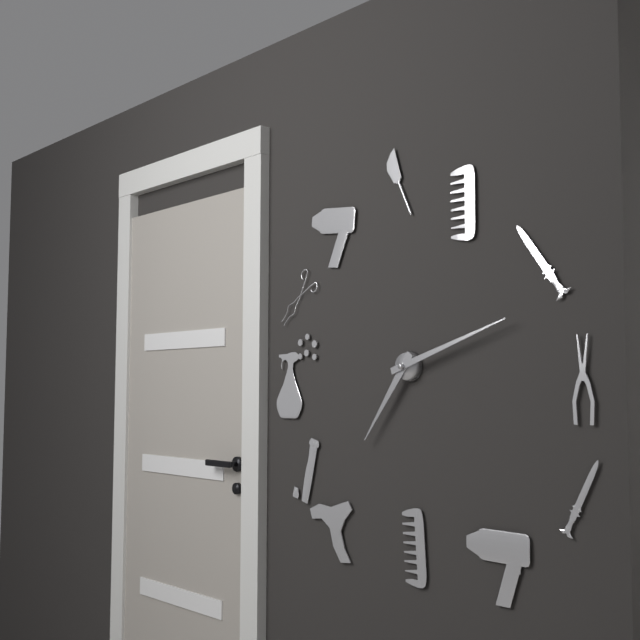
7:12
